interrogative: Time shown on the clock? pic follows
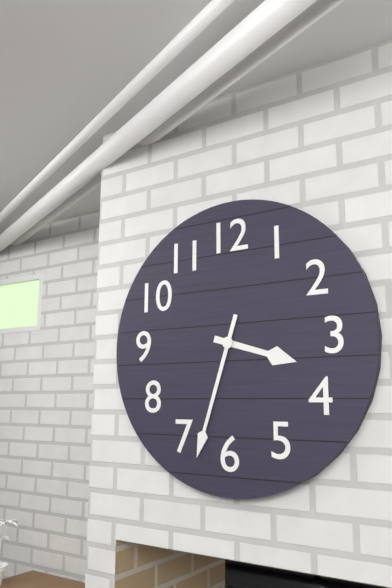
3:33
